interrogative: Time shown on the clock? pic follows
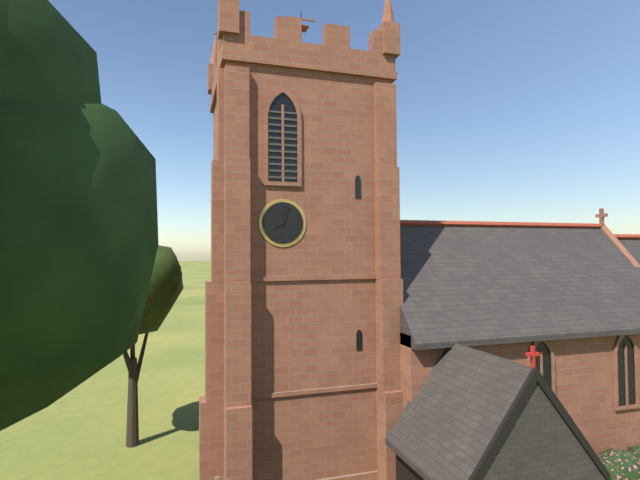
8:03
